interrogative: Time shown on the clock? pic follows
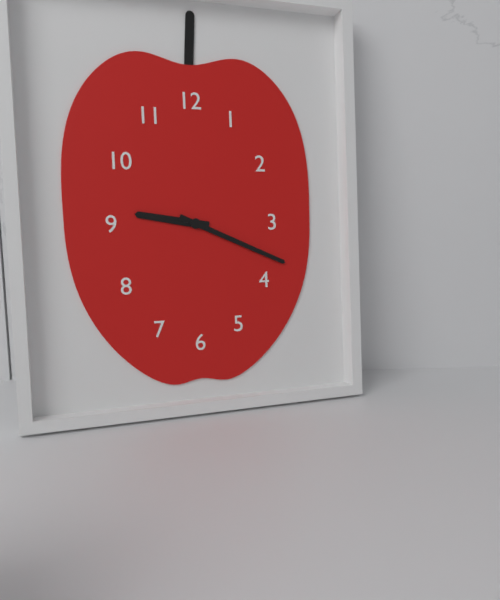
9:19
